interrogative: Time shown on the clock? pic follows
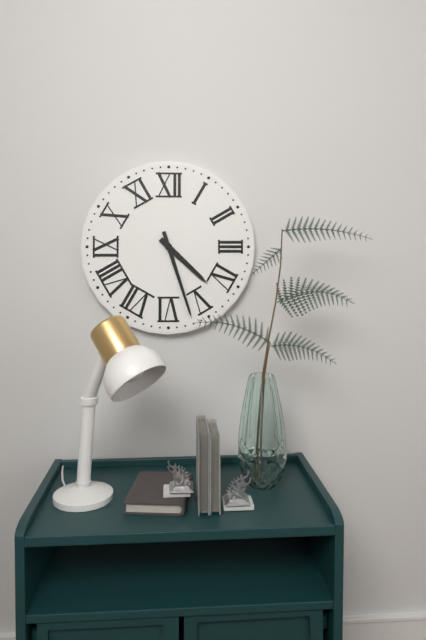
4:27
